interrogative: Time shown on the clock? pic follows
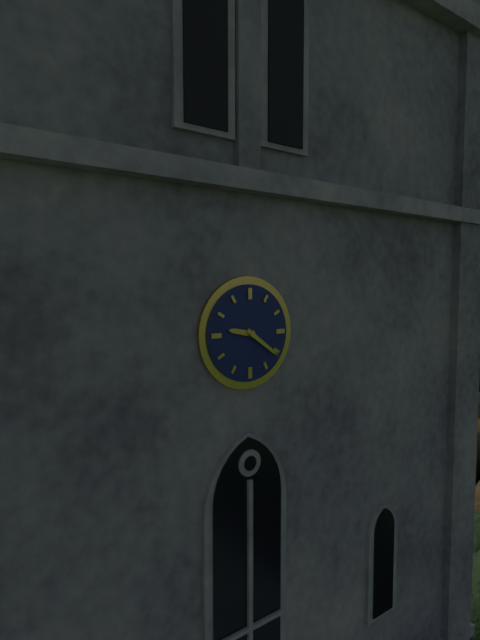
9:21
